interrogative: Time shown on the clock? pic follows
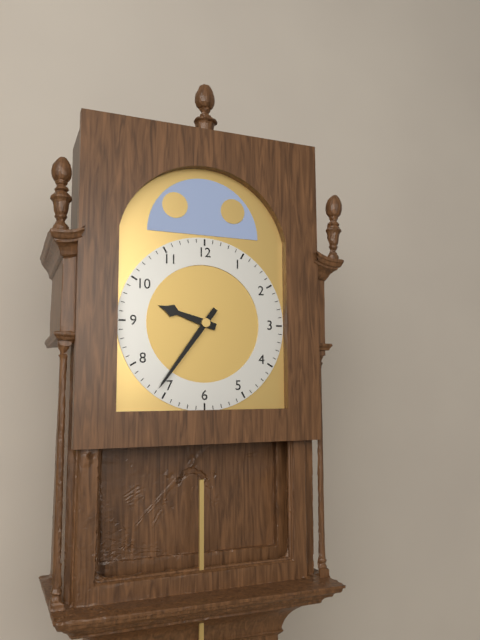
9:36
